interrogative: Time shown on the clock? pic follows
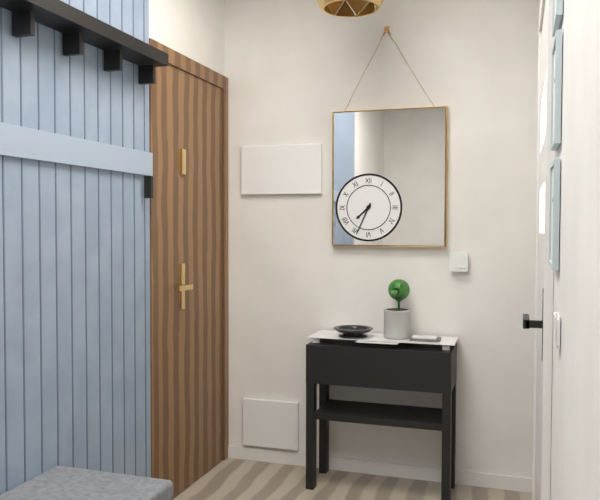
7:34
